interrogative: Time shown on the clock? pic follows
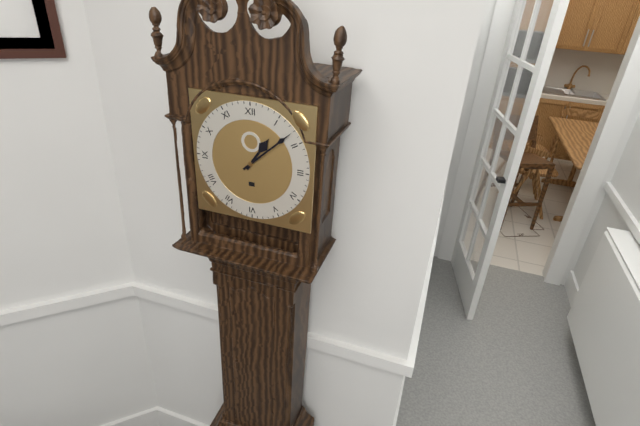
1:08
